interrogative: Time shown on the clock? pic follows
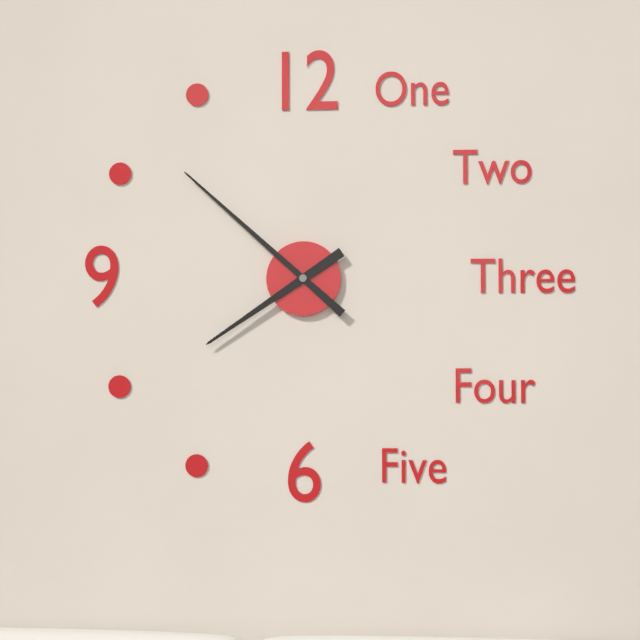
7:52
